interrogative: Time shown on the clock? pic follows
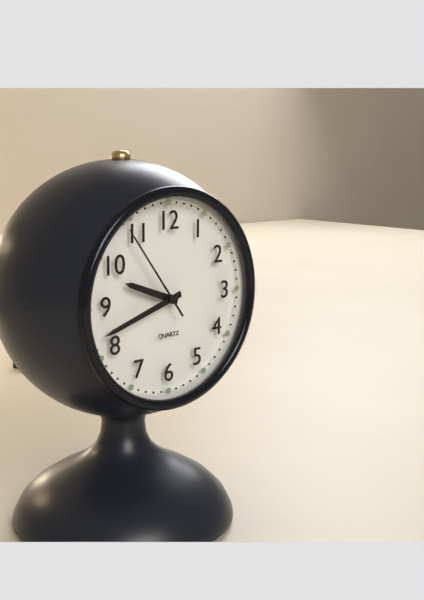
9:42:54
